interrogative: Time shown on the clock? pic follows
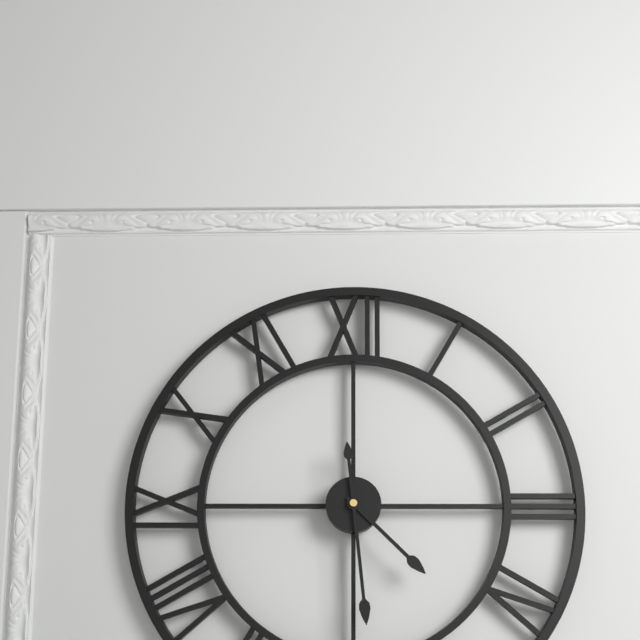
4:29
